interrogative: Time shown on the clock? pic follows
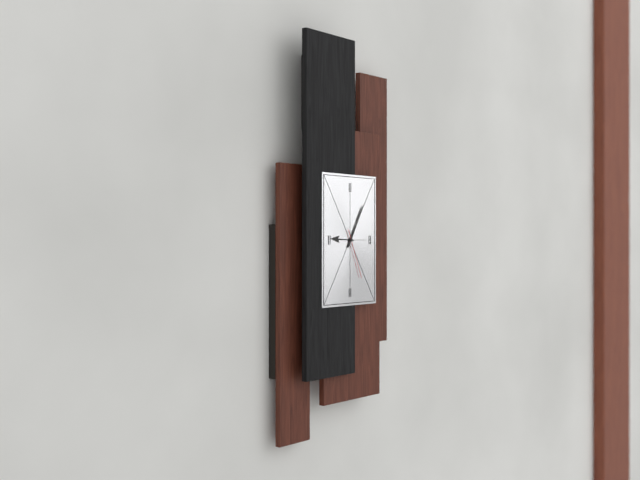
9:05:26
